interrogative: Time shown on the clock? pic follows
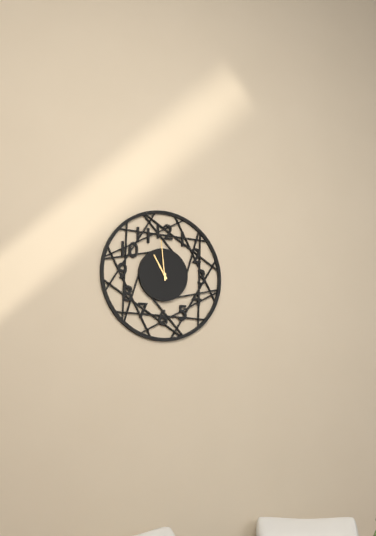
10:59
